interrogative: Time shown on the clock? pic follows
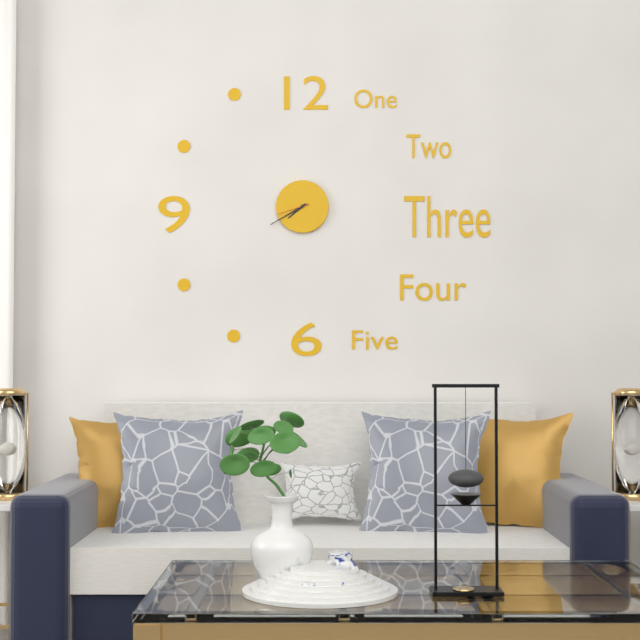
7:40
